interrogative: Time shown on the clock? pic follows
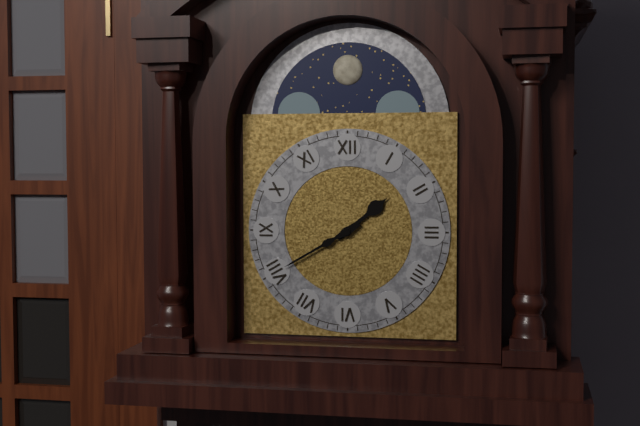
1:40
